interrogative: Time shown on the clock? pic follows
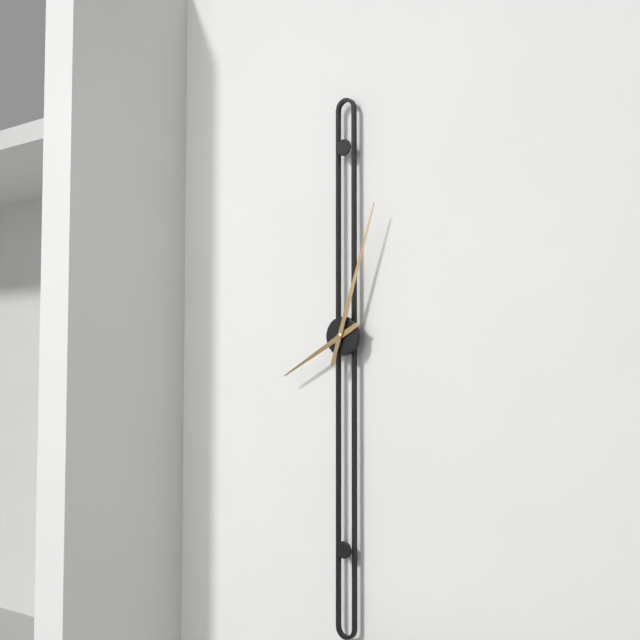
8:03
